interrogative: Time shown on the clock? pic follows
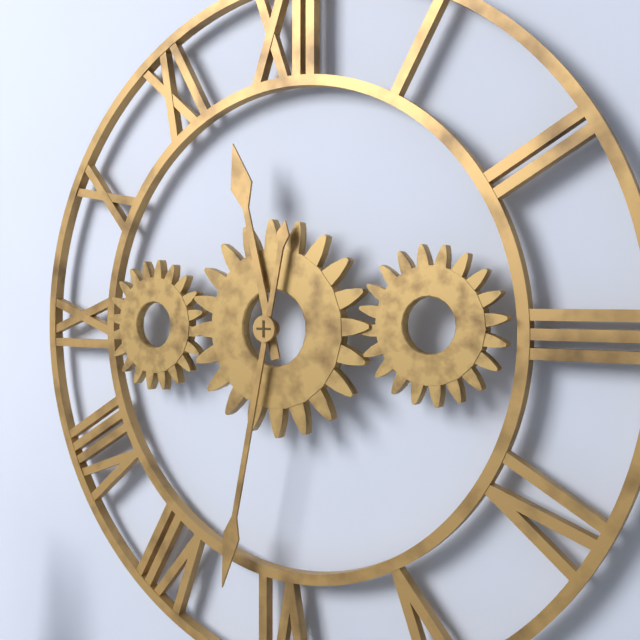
11:32
